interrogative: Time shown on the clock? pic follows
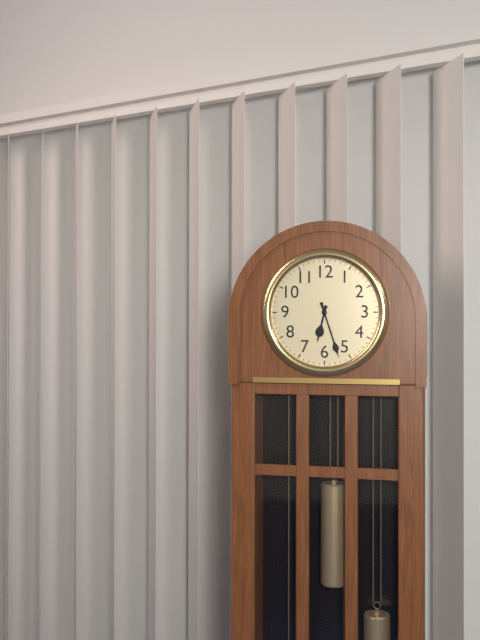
6:27
